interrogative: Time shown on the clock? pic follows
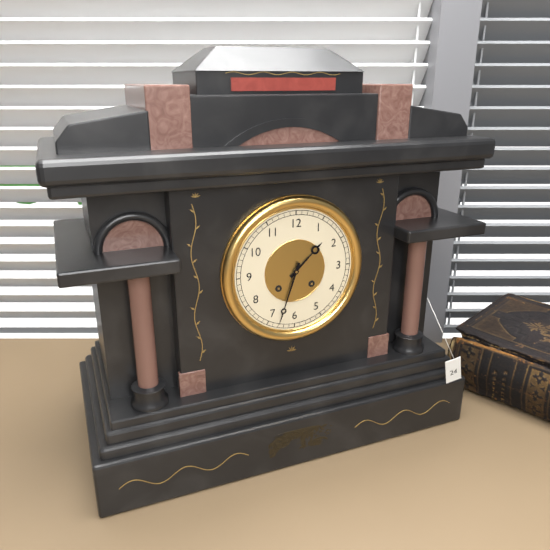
1:33
